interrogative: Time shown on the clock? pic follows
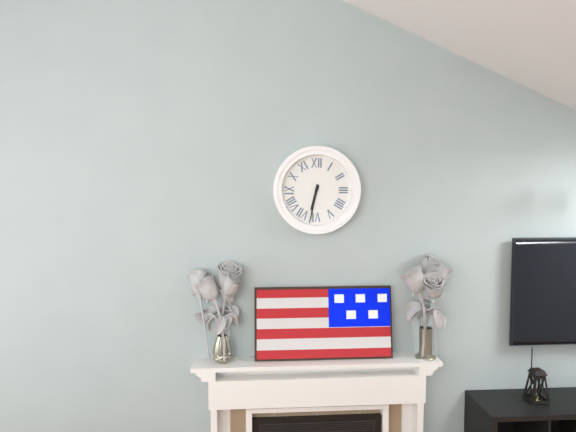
6:32
